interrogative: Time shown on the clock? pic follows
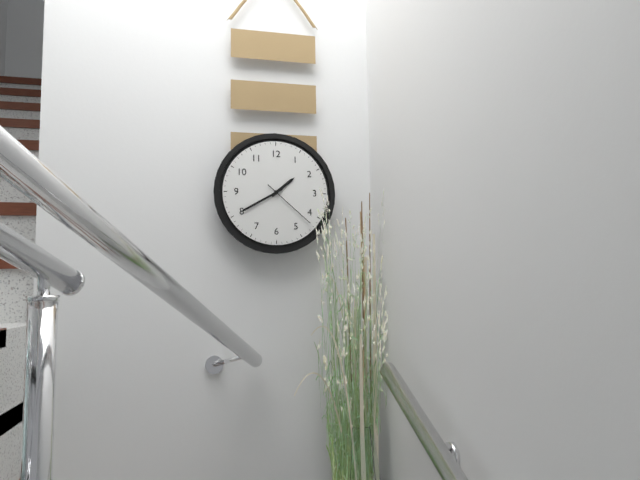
1:40:22
